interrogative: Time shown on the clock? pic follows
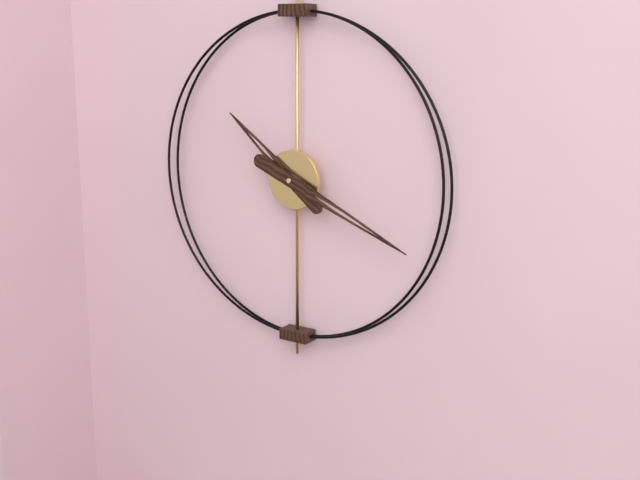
10:19
